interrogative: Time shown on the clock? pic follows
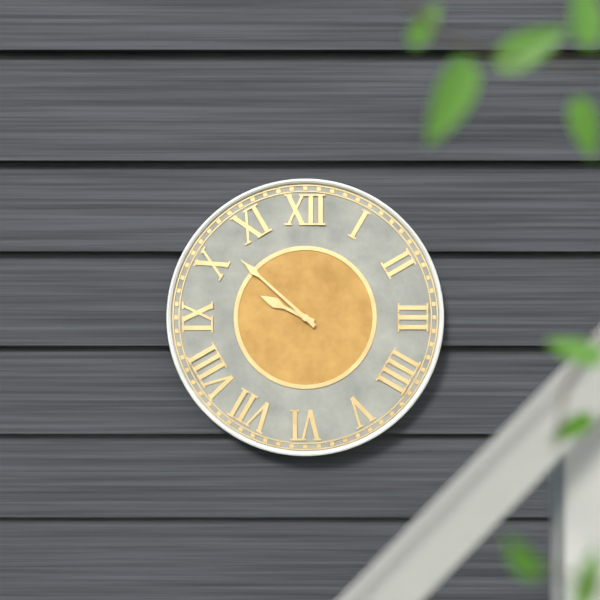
9:52
